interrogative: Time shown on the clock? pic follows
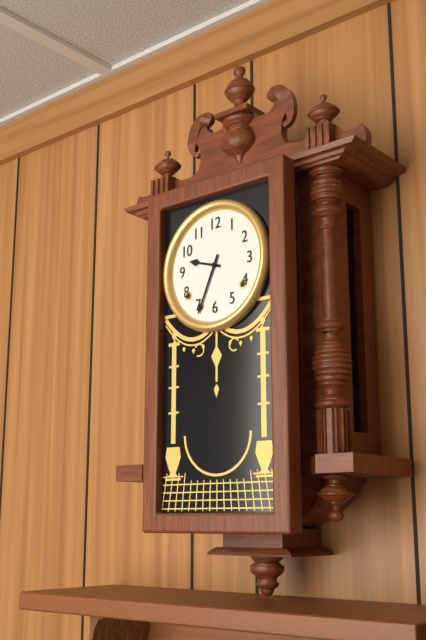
9:34
